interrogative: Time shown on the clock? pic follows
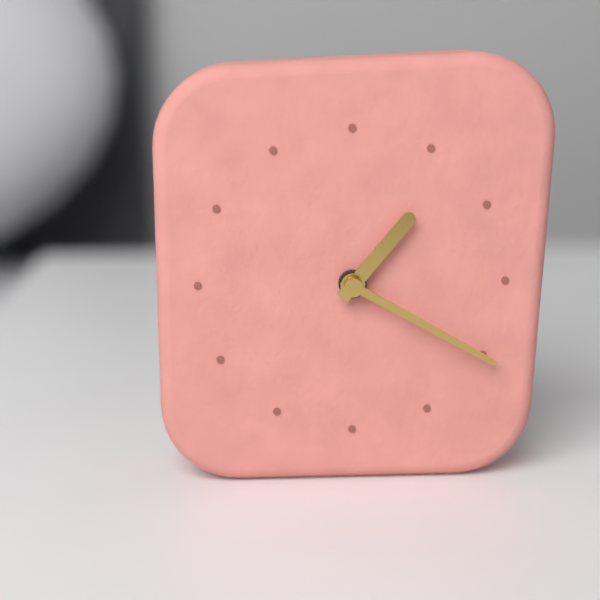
1:20
